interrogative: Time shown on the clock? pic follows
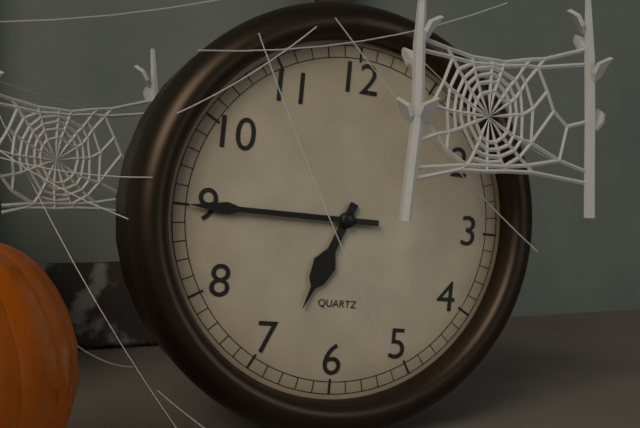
6:45
